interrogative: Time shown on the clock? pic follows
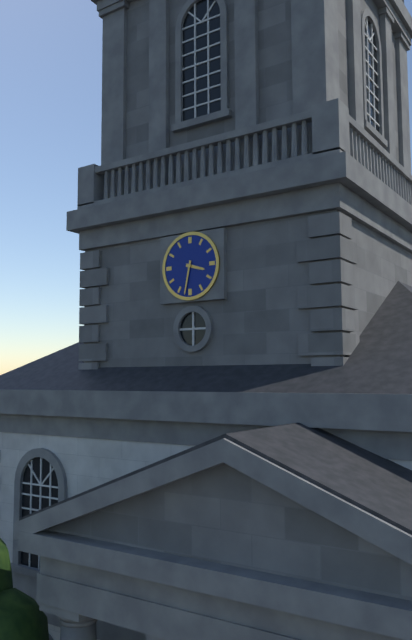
3:32
